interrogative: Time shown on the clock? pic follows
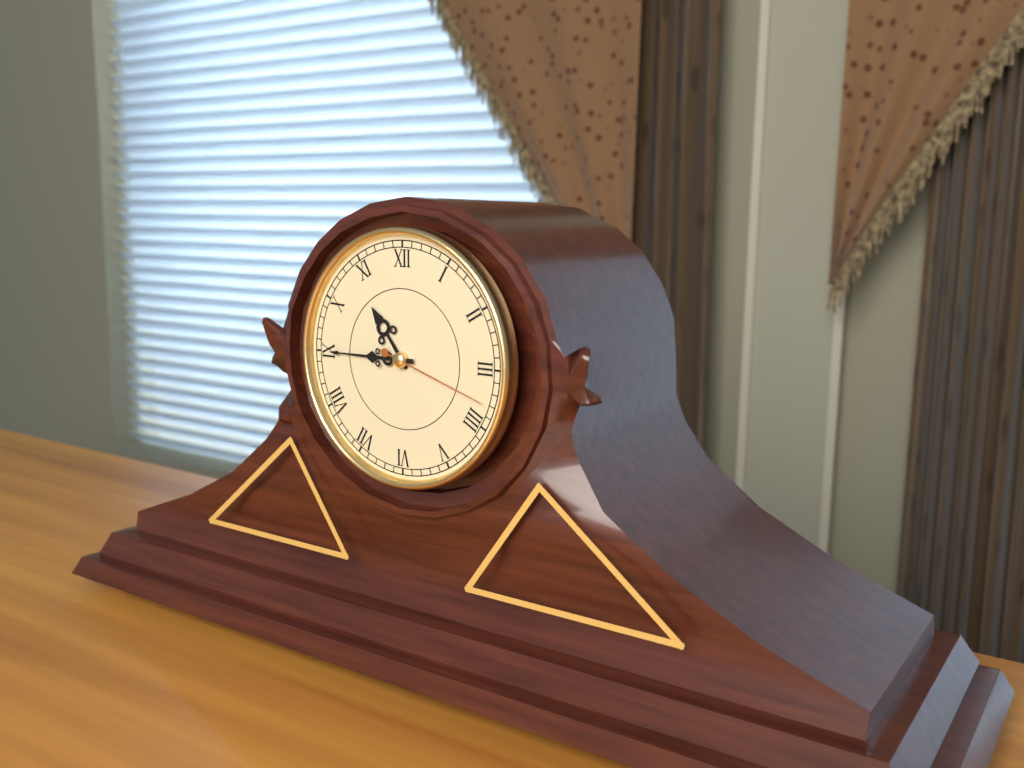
10:45:18
